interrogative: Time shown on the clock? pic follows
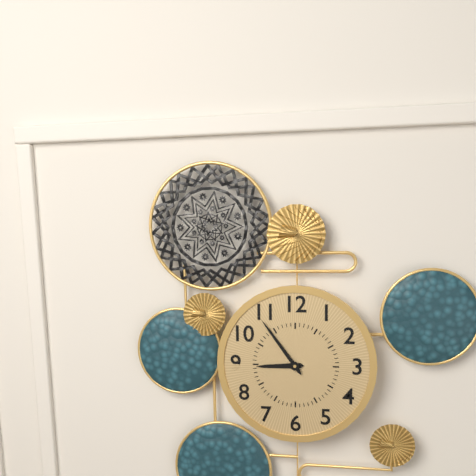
8:54
